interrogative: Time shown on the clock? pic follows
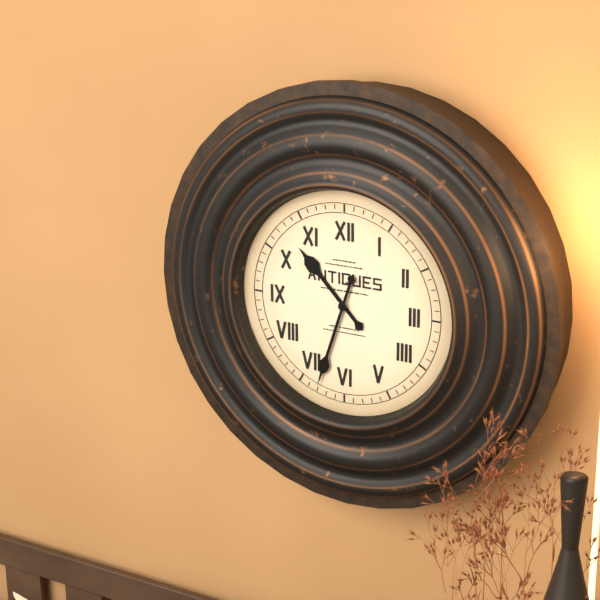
10:33
